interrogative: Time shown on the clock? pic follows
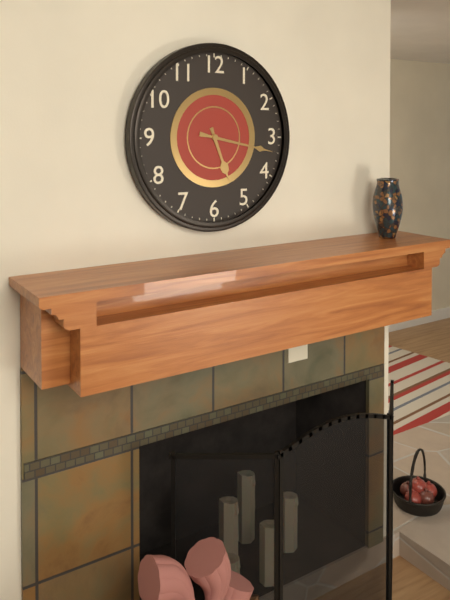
5:17
